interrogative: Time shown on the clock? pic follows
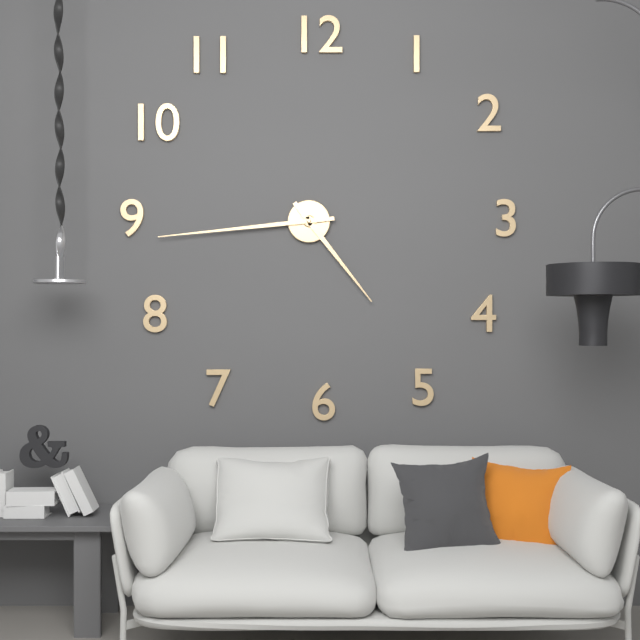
4:44
